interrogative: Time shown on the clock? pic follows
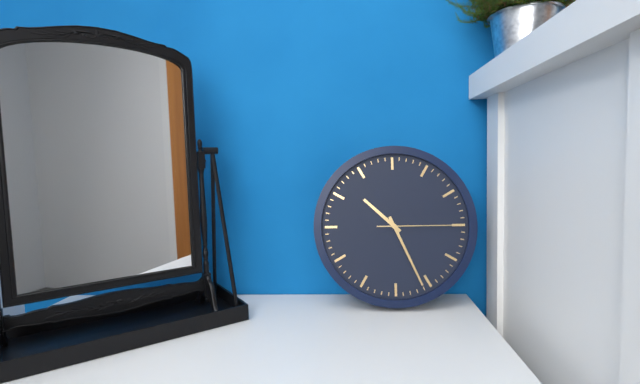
10:26:15
